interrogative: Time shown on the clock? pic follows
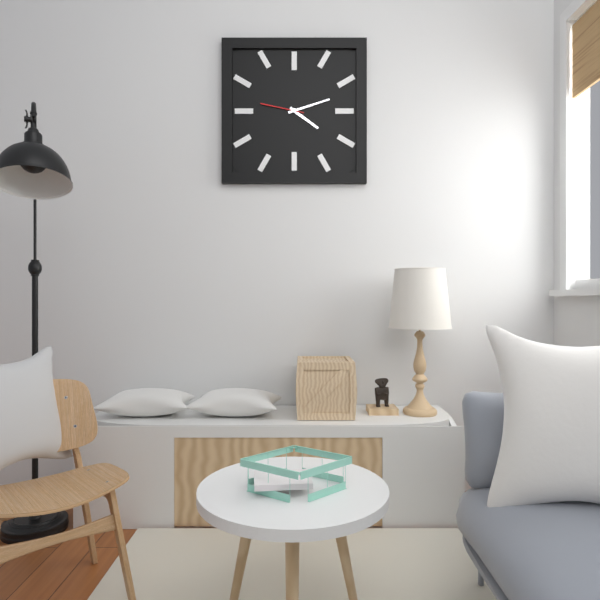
4:12
